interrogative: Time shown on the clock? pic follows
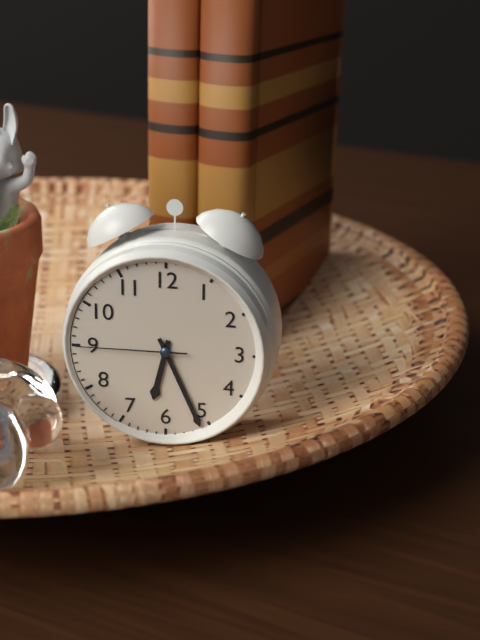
6:26:45
